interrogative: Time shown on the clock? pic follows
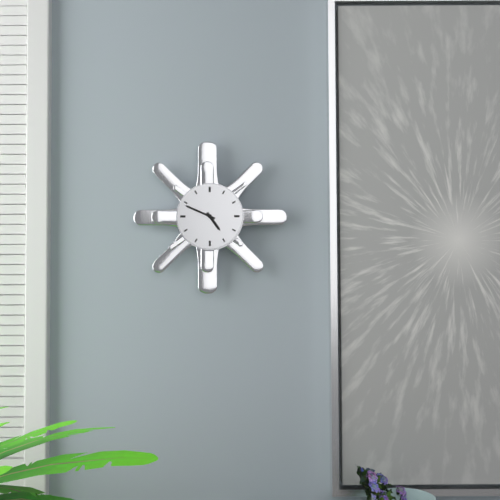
4:49
